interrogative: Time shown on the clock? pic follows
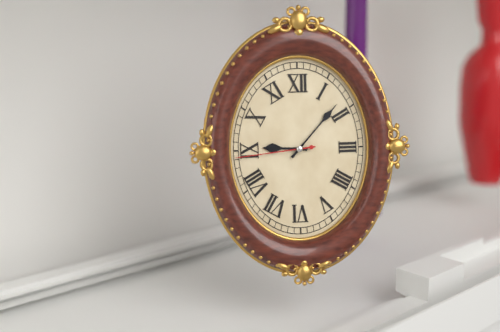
9:07:44
